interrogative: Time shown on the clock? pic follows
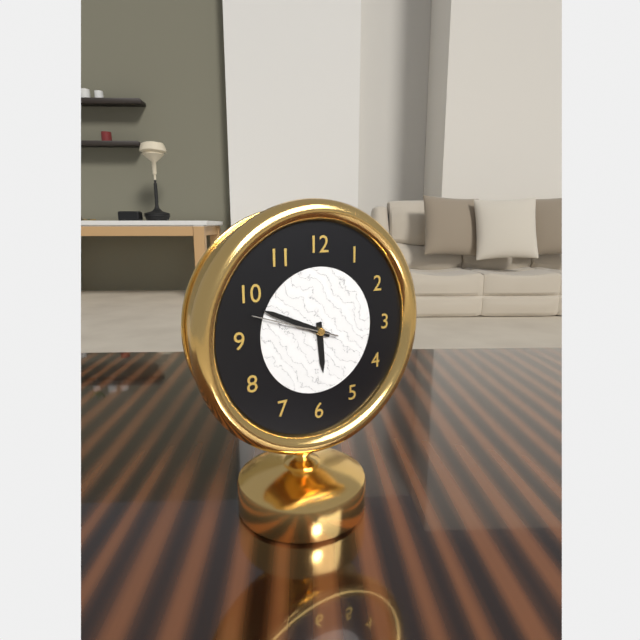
5:49:48
